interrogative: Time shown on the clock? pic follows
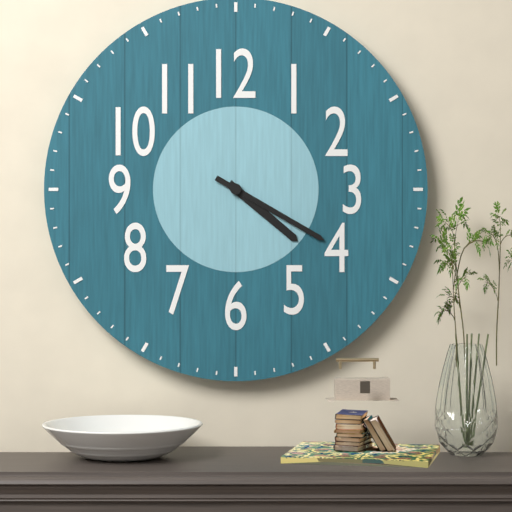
4:20
